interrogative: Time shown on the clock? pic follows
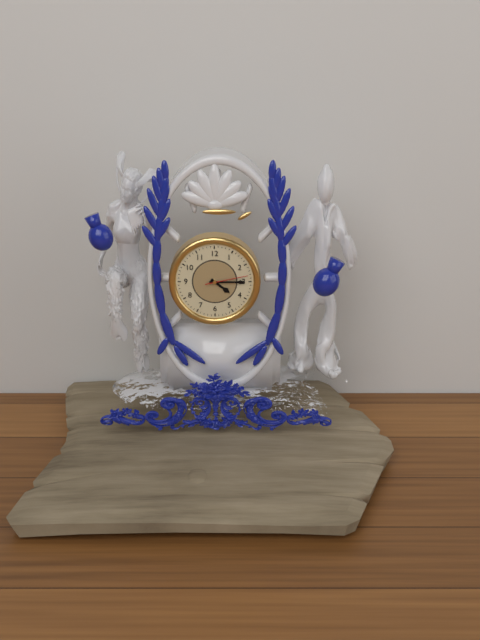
4:15
